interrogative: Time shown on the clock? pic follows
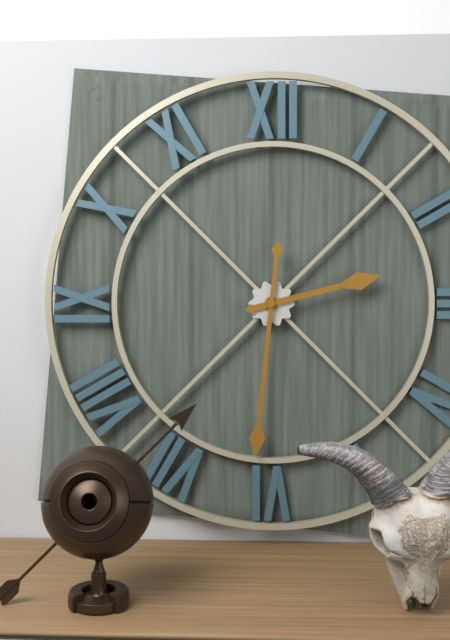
2:31
